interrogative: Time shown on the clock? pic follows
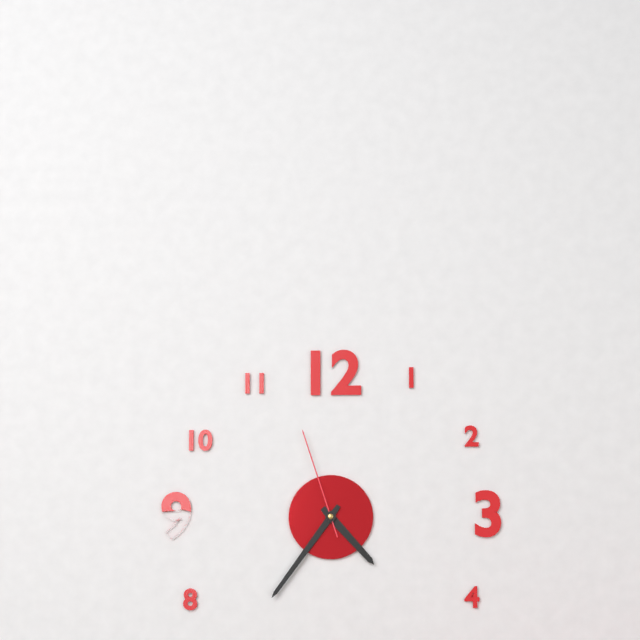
4:36:57
